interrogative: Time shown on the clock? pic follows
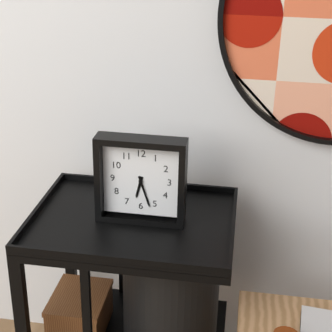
6:27
